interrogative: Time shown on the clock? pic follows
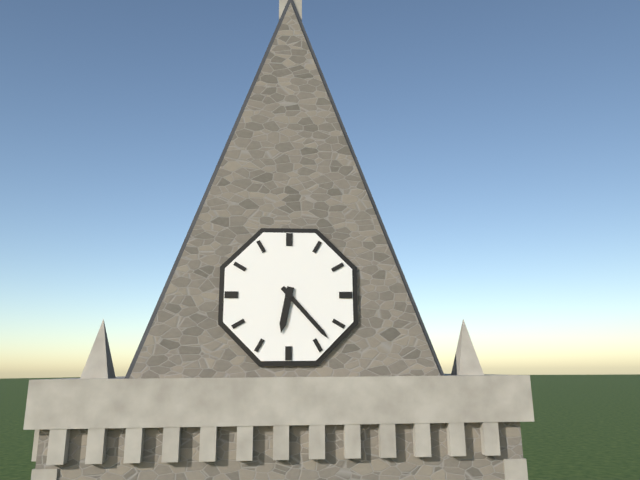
6:23
